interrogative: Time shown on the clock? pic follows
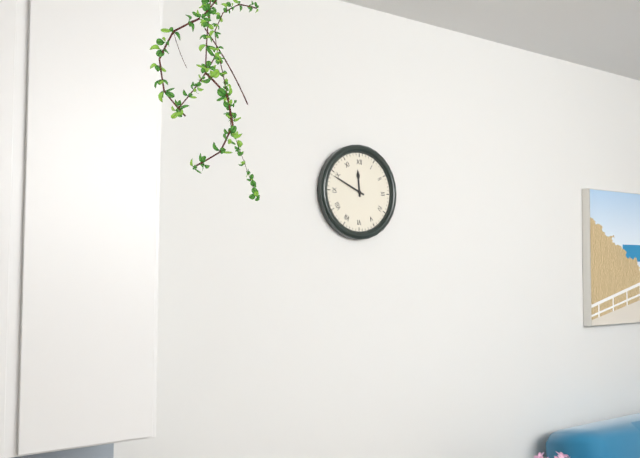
11:49
